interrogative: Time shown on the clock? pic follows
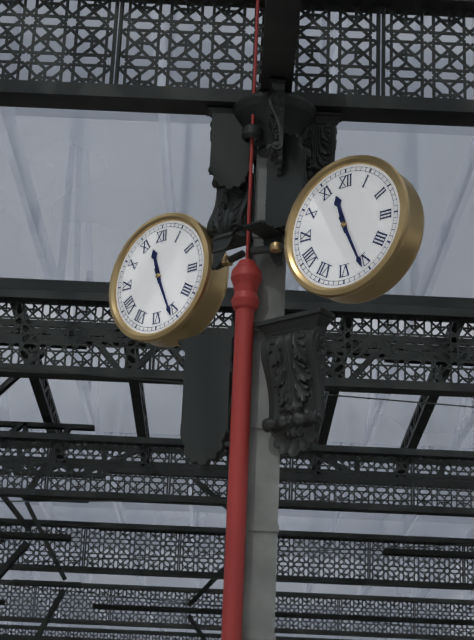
11:26
